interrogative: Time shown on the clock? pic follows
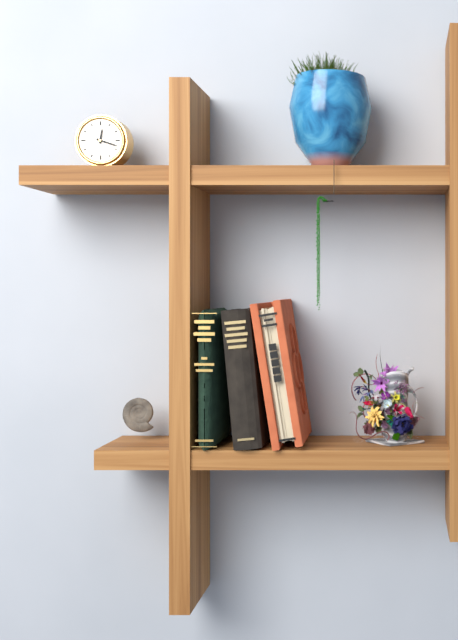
12:18
